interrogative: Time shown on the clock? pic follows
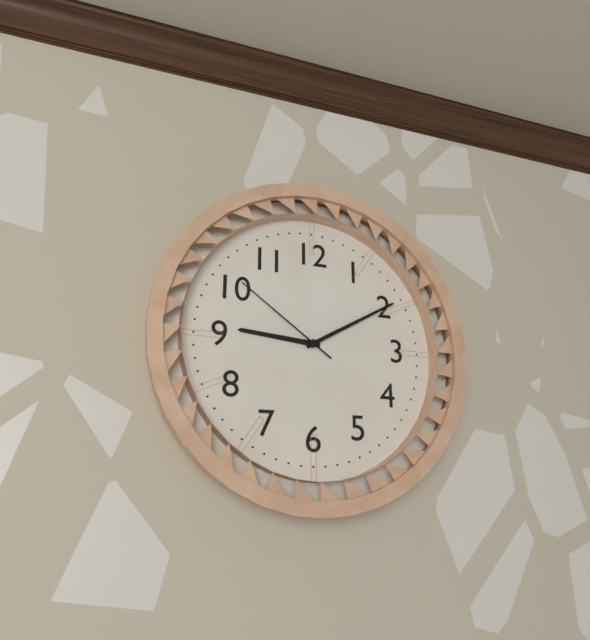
9:10:51
